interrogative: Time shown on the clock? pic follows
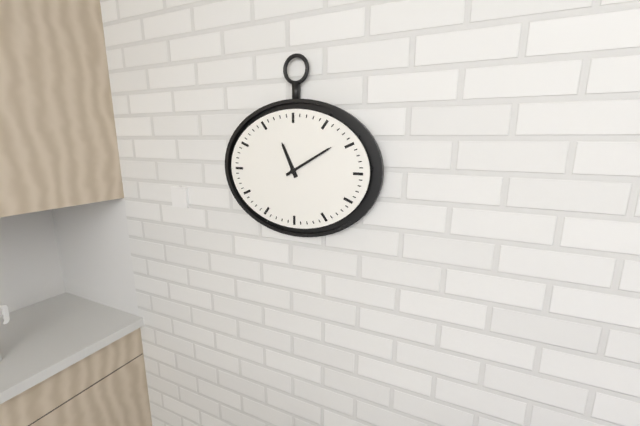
11:10
